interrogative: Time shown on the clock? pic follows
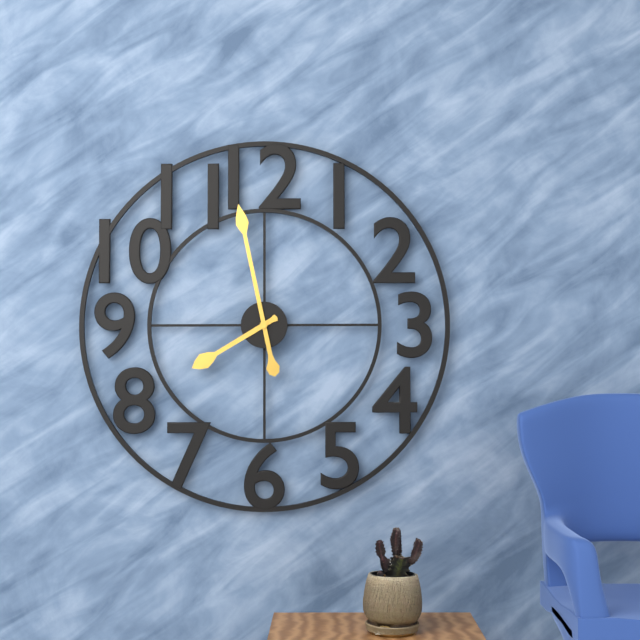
7:58
